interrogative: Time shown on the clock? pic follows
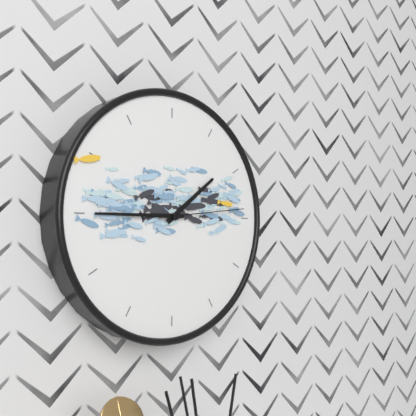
1:45:14
